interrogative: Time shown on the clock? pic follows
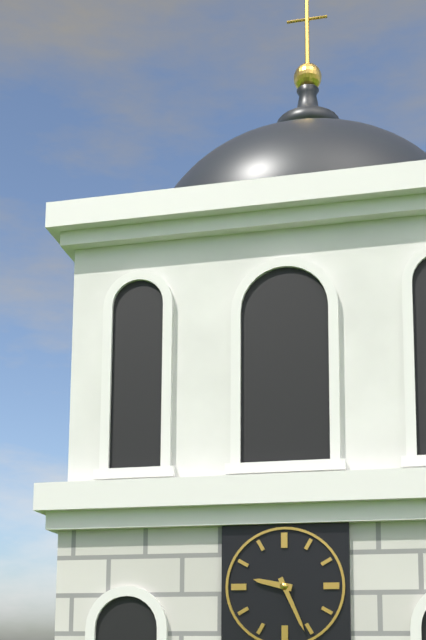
9:26
